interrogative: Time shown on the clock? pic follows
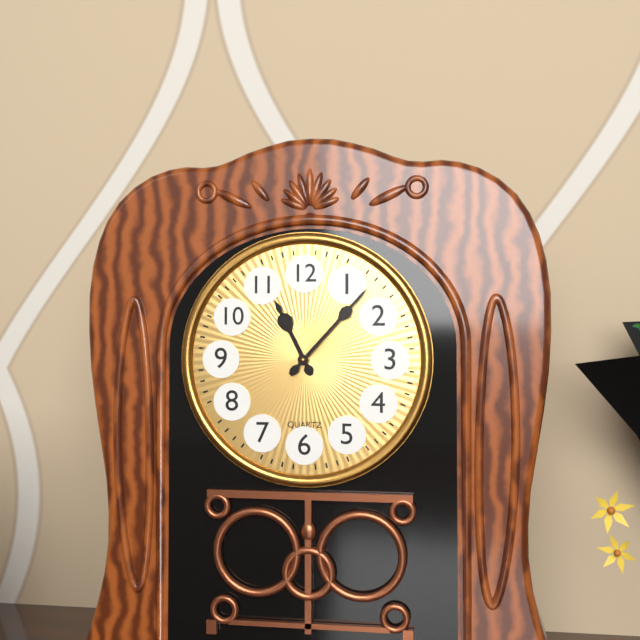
11:07
